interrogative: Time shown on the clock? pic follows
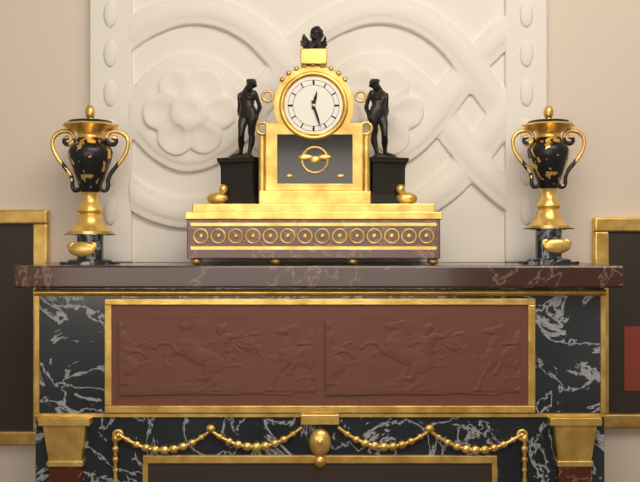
12:27
